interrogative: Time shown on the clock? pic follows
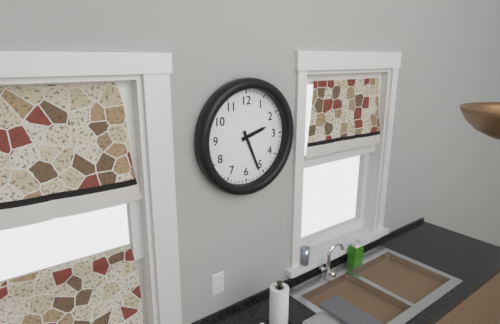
2:26
